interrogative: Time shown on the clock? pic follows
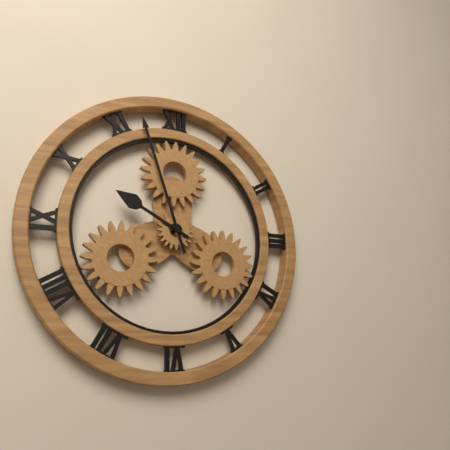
9:57
